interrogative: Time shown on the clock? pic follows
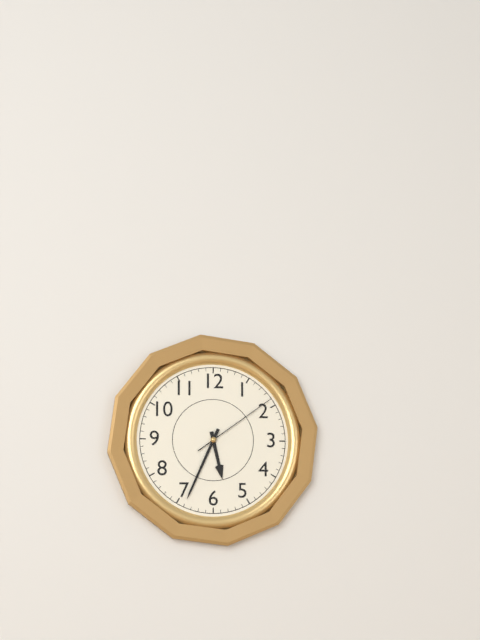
5:34:09
